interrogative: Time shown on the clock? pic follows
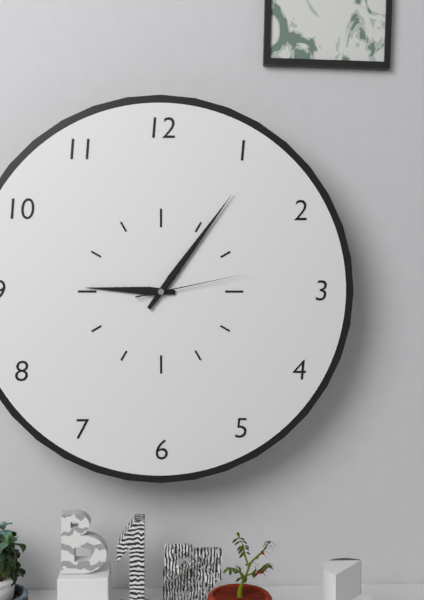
9:06:13
